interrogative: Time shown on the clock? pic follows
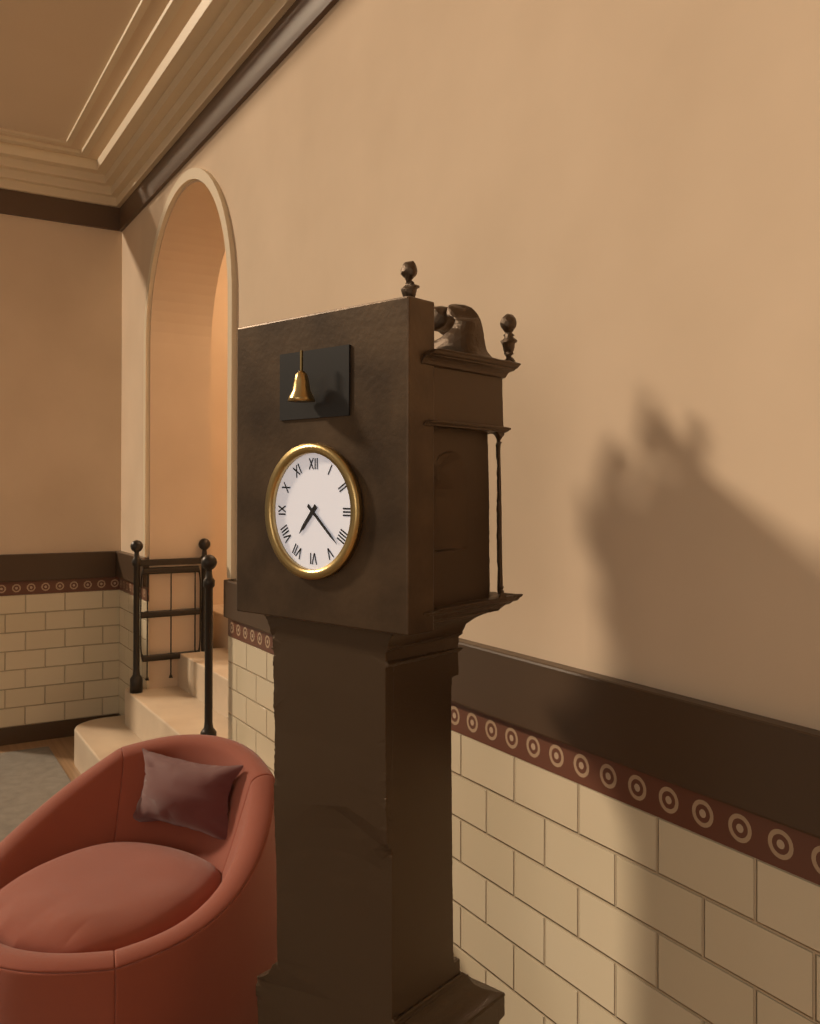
7:22
